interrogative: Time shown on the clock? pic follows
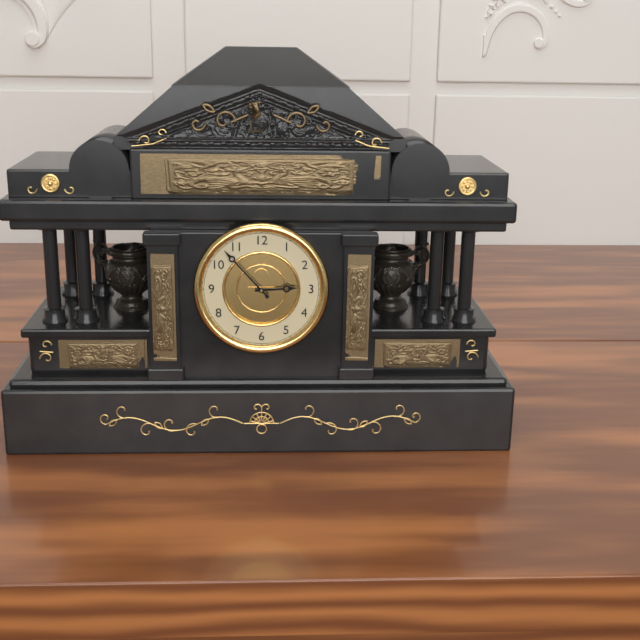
2:53
